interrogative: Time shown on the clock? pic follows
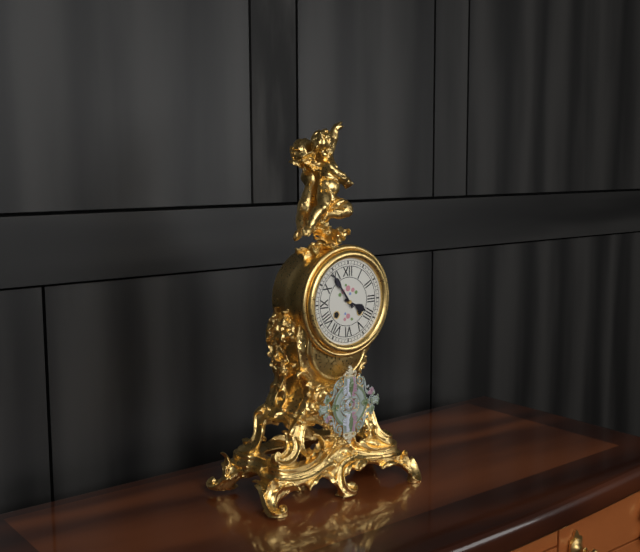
3:54
